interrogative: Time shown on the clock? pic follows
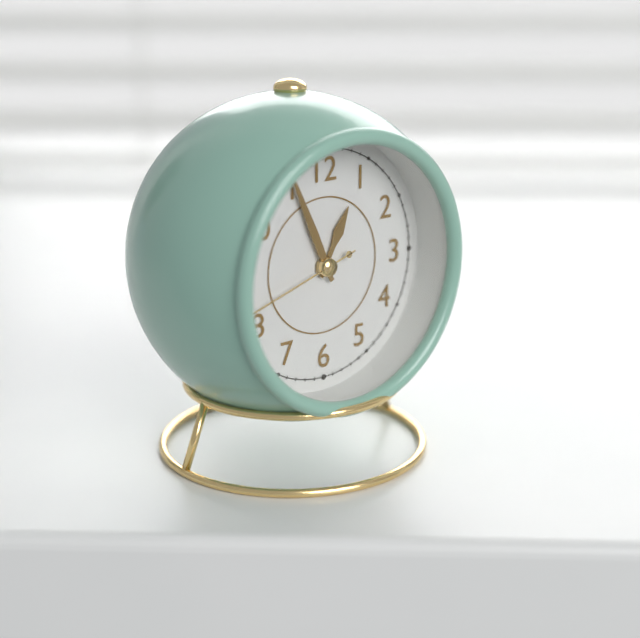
12:56:42
